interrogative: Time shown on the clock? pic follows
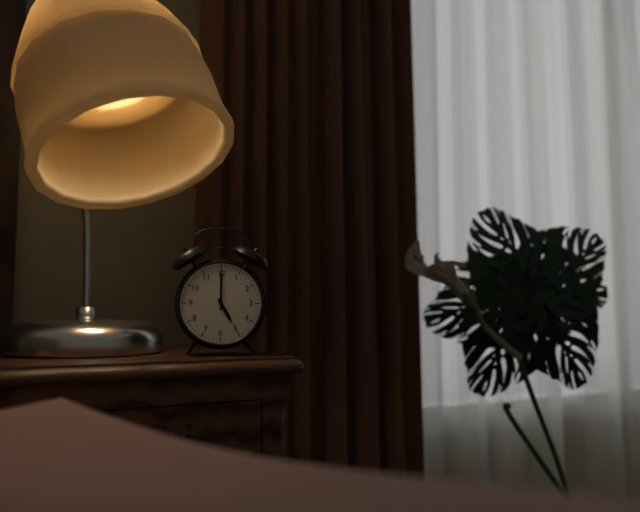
5:00
